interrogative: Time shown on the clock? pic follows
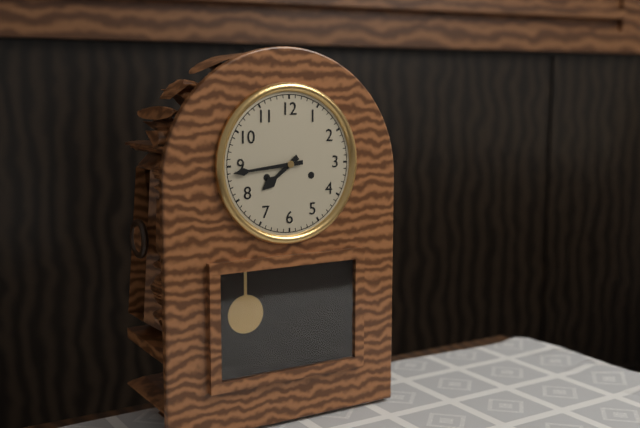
7:44
